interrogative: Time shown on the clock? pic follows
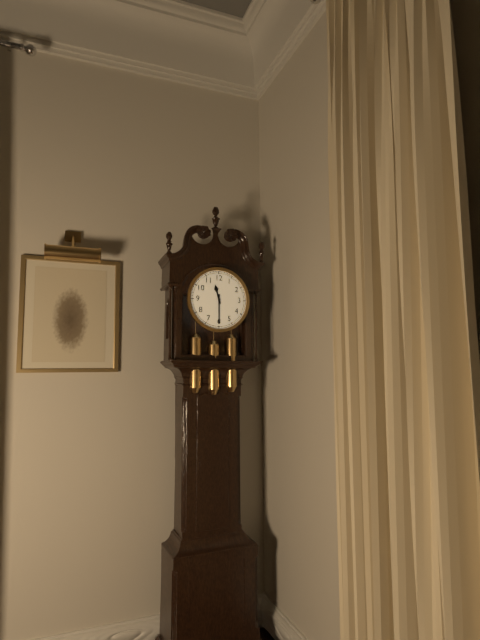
11:30
